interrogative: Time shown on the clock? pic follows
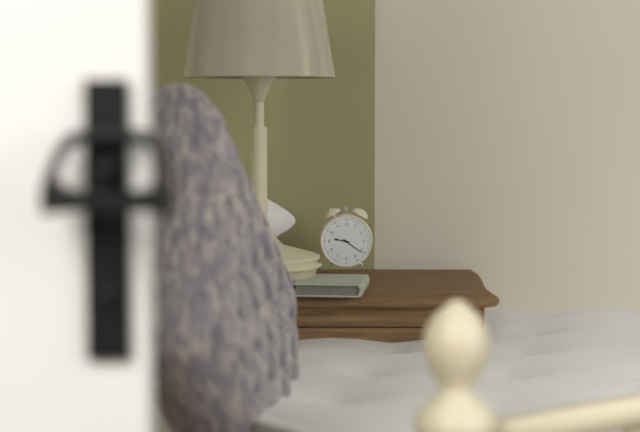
9:21
